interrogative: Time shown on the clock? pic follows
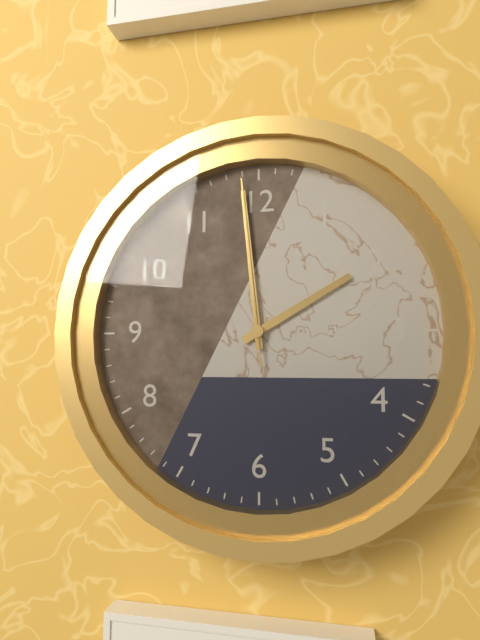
1:59:59
